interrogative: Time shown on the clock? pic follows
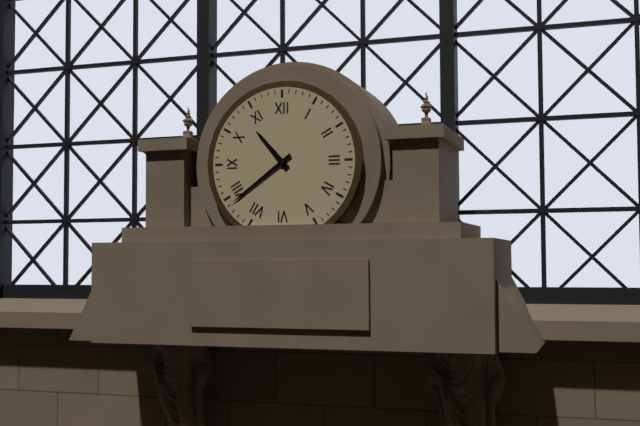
10:39
